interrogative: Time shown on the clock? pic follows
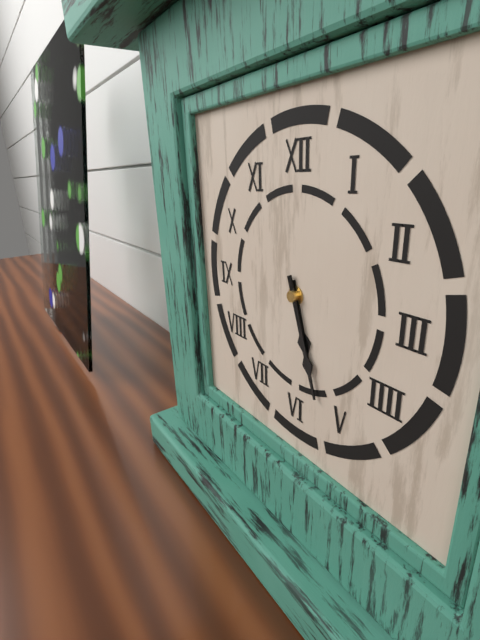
5:27
